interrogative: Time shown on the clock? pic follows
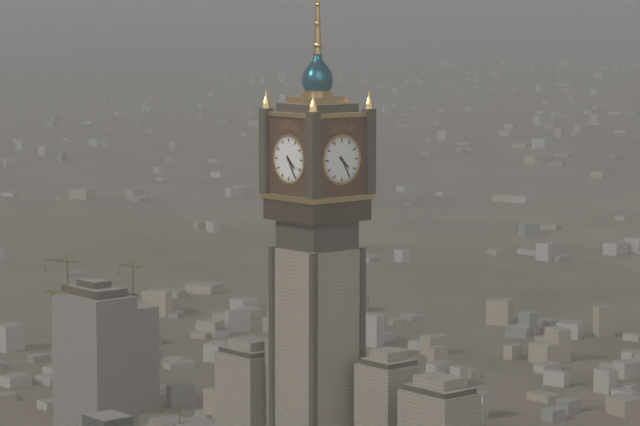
4:25
